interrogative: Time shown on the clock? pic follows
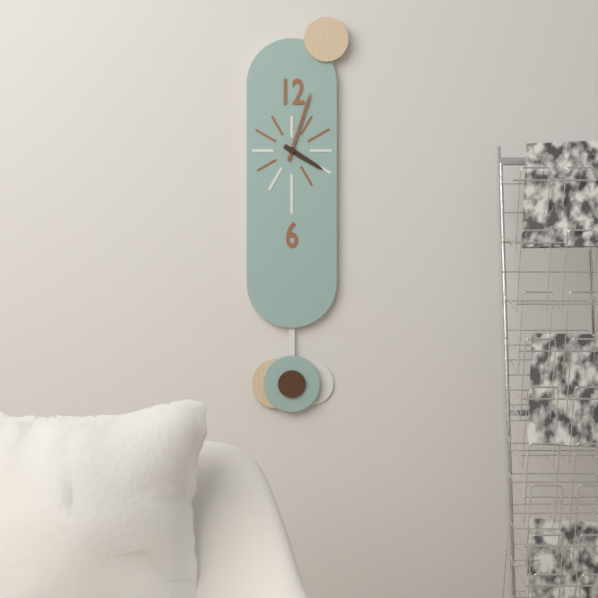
4:03
